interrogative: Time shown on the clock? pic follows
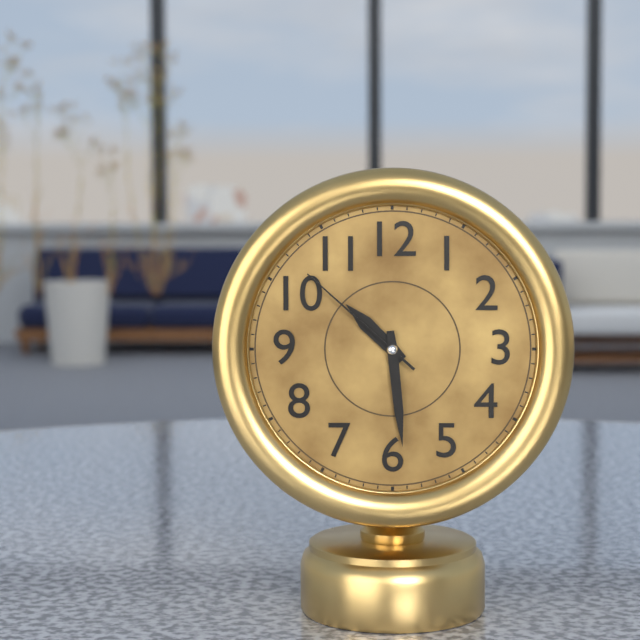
10:29:52
